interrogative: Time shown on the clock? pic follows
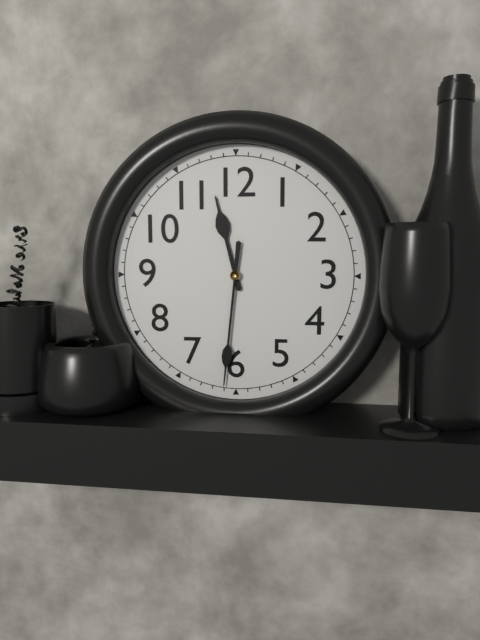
11:31
